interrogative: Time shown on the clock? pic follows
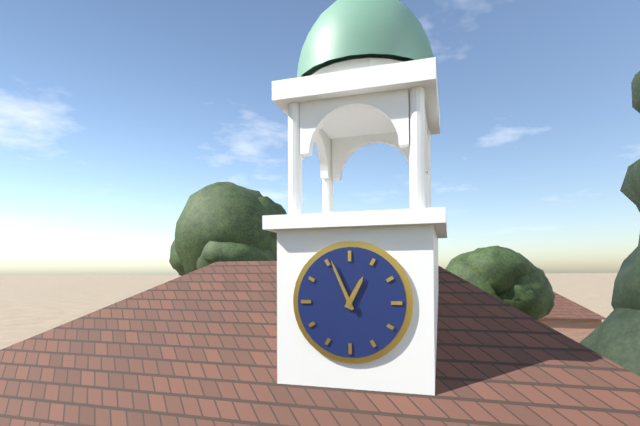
12:56
